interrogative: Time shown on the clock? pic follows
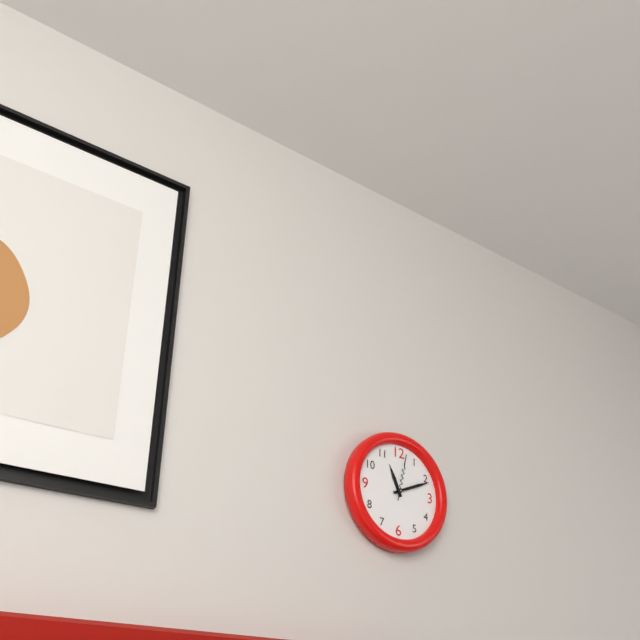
11:11
